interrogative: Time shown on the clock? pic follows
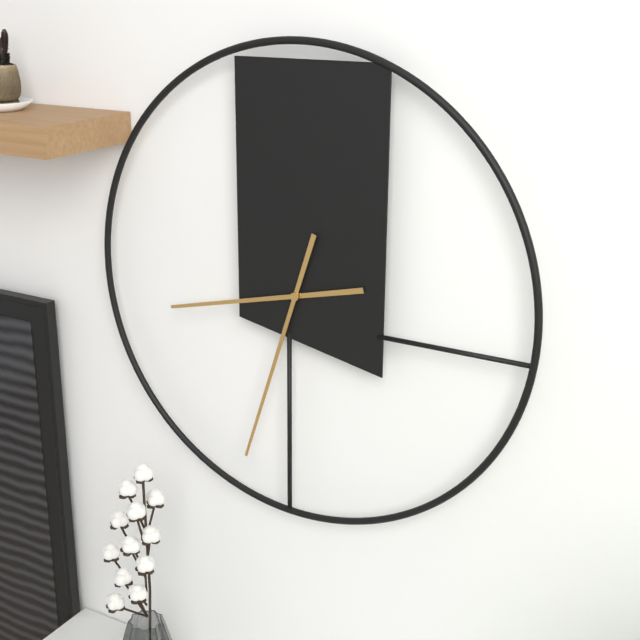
8:33
